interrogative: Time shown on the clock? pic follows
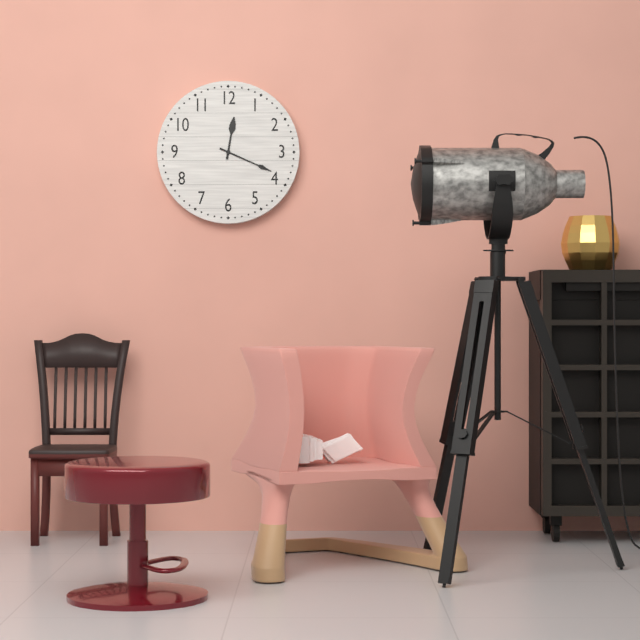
12:19
